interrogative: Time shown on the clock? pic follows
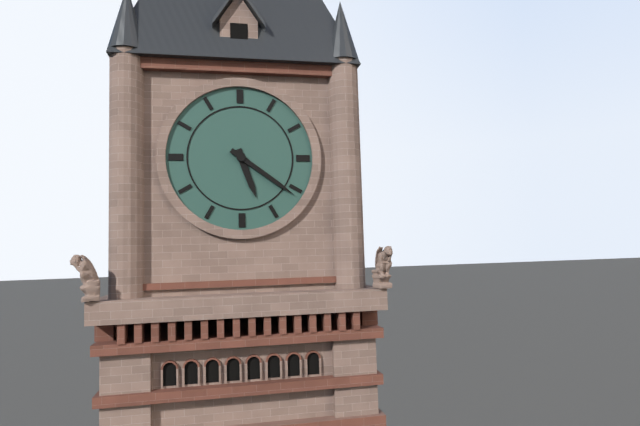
5:21
